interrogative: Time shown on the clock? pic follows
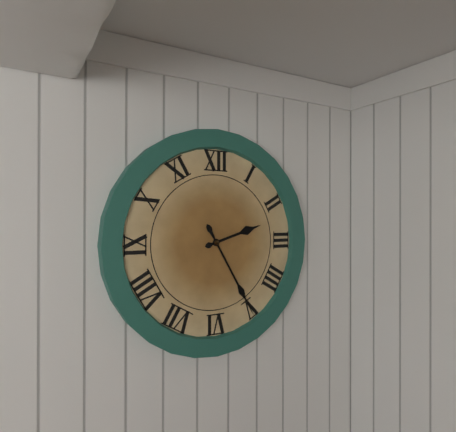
2:25
